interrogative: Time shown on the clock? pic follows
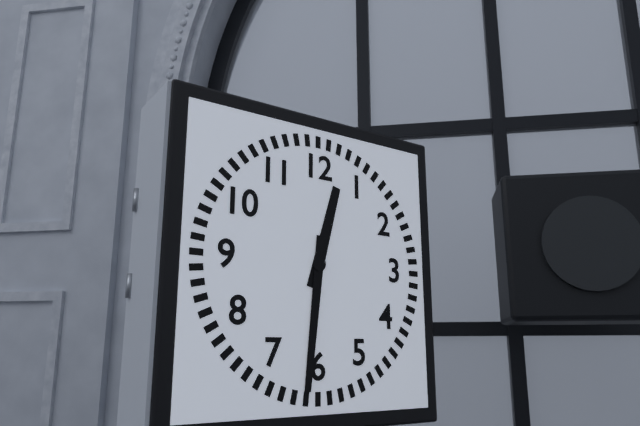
12:31
